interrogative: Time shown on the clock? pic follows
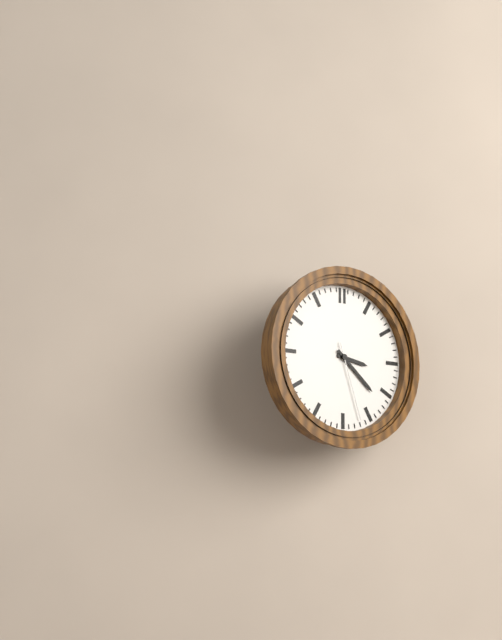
3:22:27
